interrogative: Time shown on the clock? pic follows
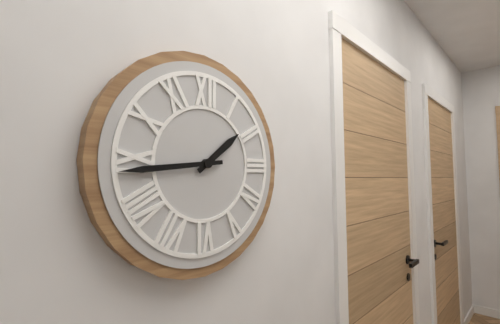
1:44
